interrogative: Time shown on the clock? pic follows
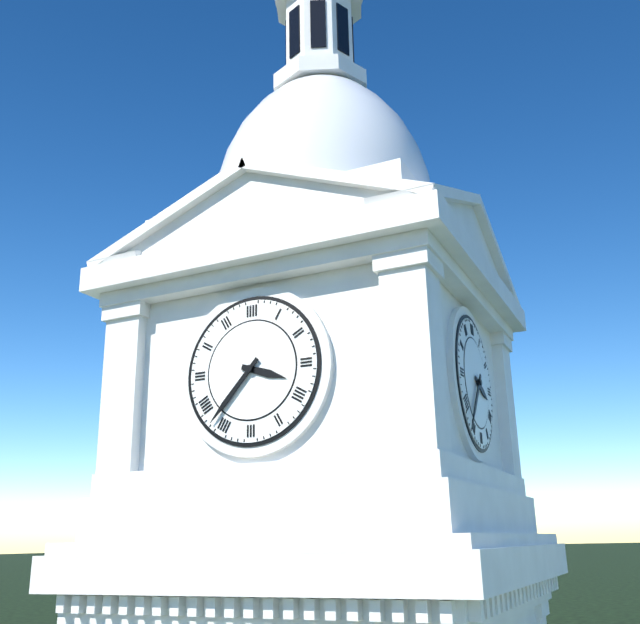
3:37
